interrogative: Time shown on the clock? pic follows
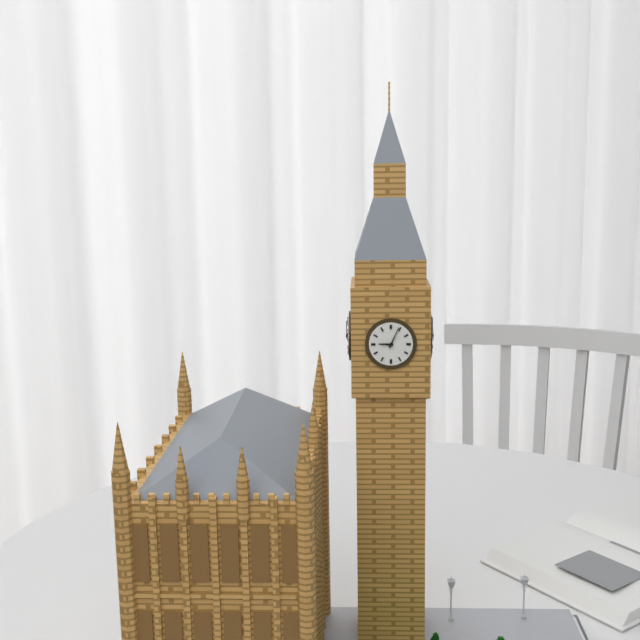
9:04
